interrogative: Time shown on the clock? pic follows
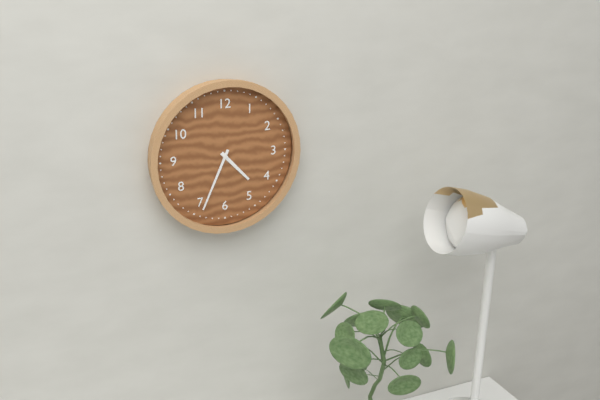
4:34
